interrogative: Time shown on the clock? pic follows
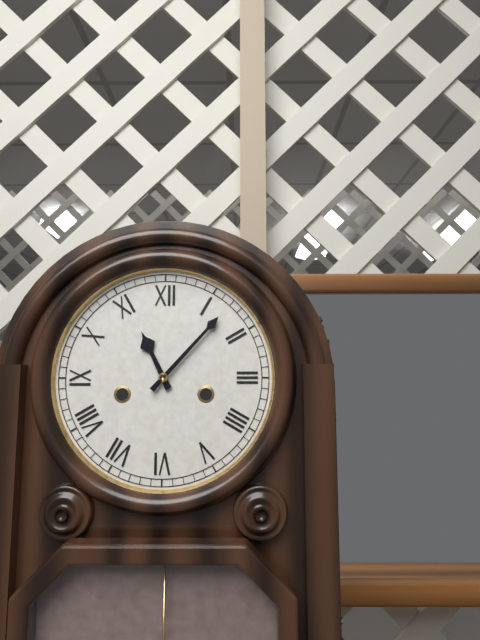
11:07
